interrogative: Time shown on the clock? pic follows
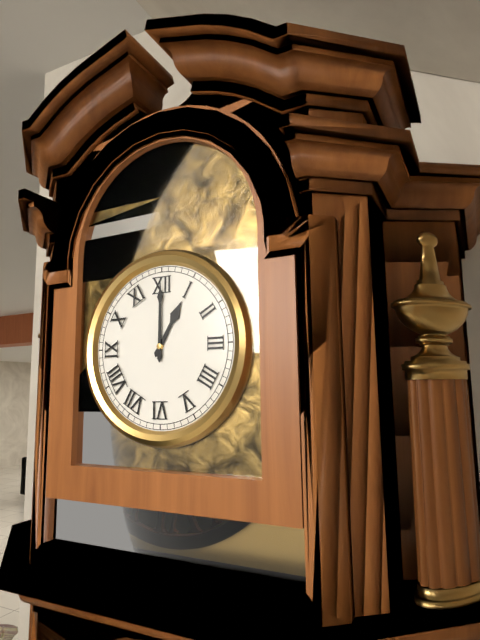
1:00
